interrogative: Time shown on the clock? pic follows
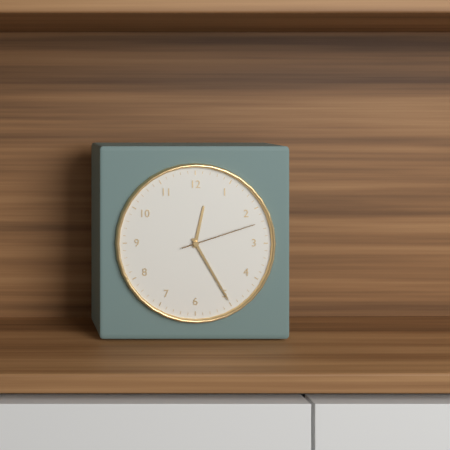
12:25:12
